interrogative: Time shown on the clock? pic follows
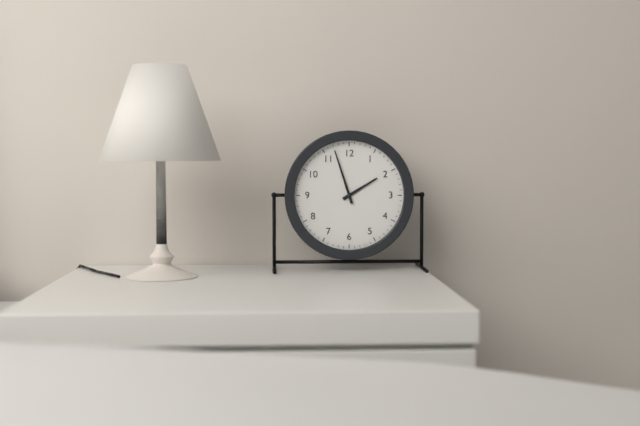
1:57
